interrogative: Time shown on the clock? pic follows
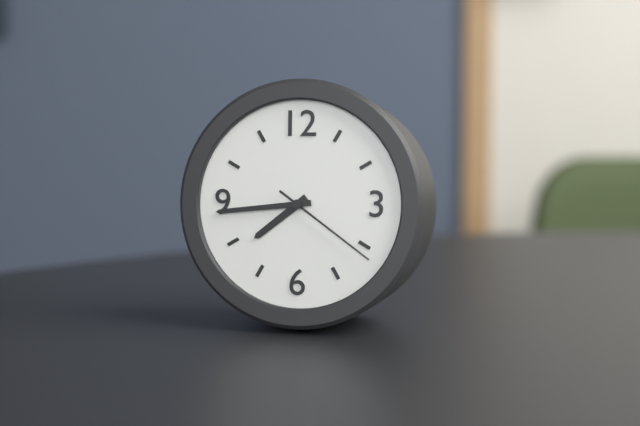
7:44:21
